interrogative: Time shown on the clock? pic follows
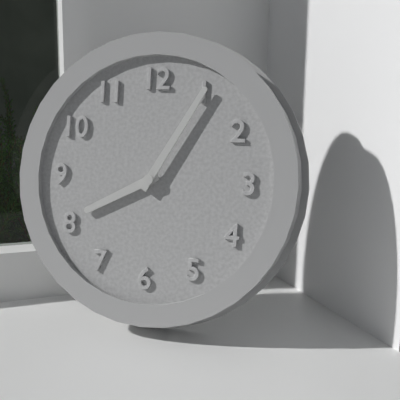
8:05
